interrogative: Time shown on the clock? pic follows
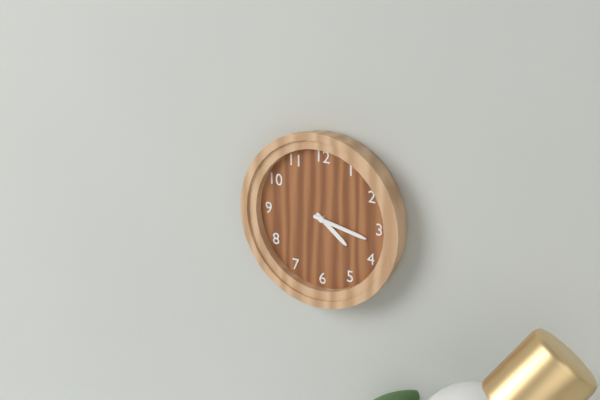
4:17
